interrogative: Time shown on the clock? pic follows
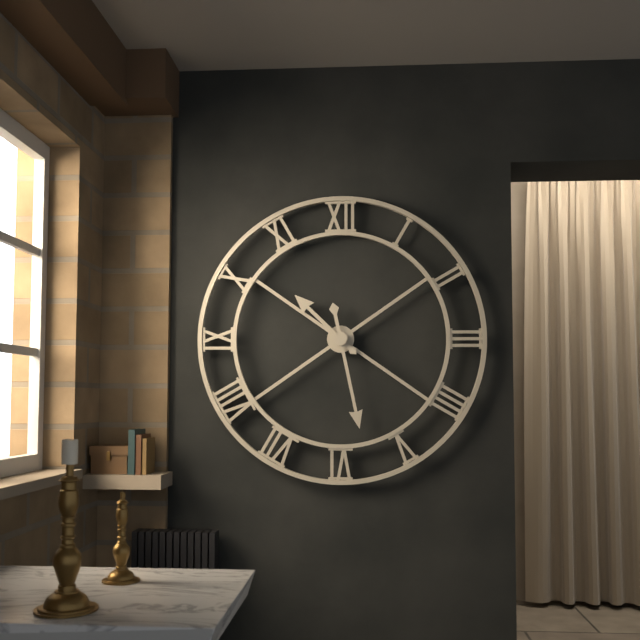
10:28
